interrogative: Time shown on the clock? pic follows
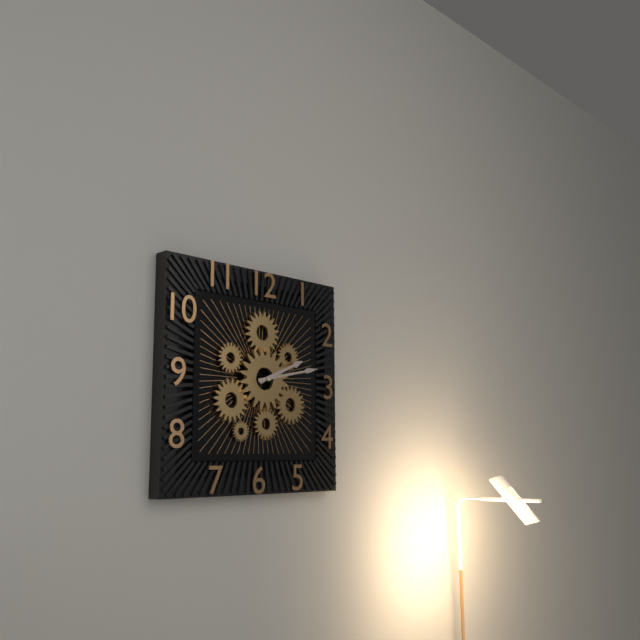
2:13
